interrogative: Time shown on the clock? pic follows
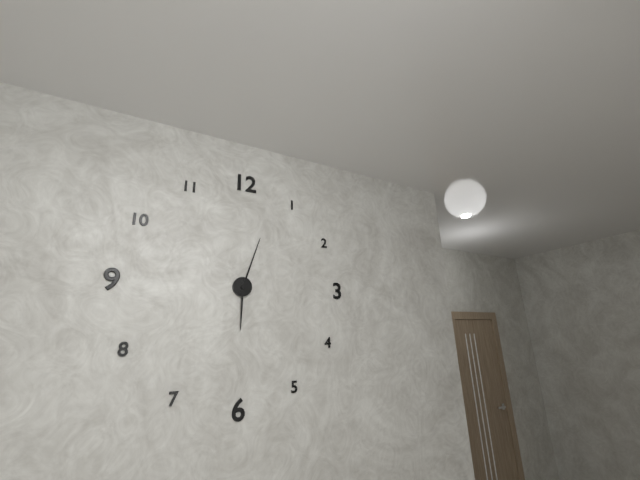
6:03
